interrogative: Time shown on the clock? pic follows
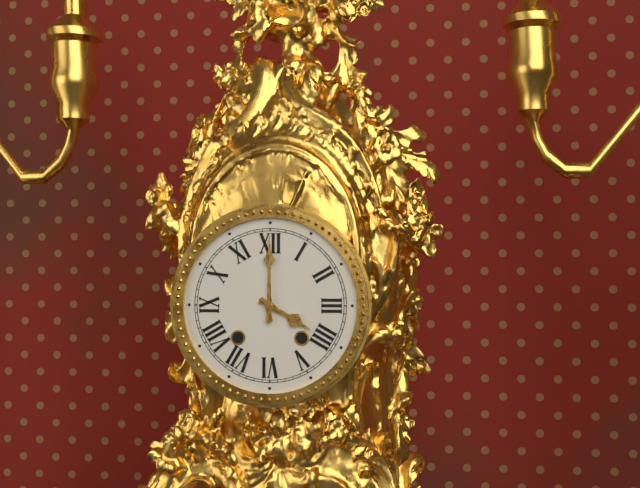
4:00
